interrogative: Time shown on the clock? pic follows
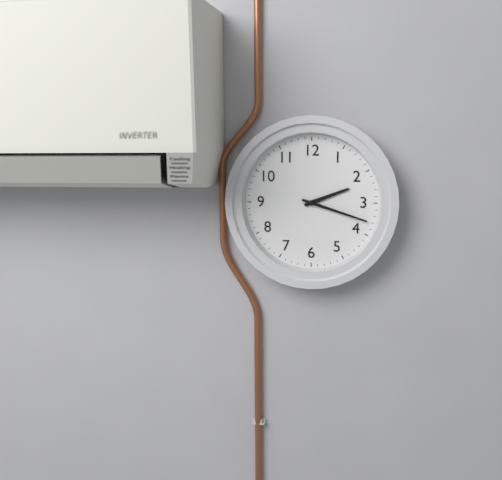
2:18
